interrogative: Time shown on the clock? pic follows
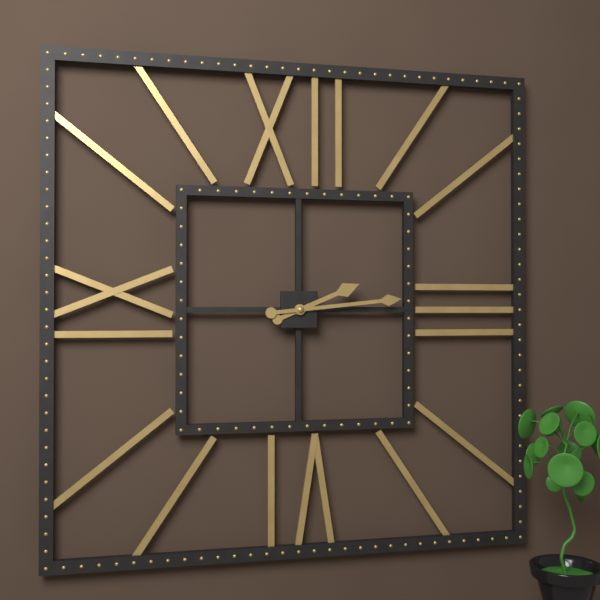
2:14
